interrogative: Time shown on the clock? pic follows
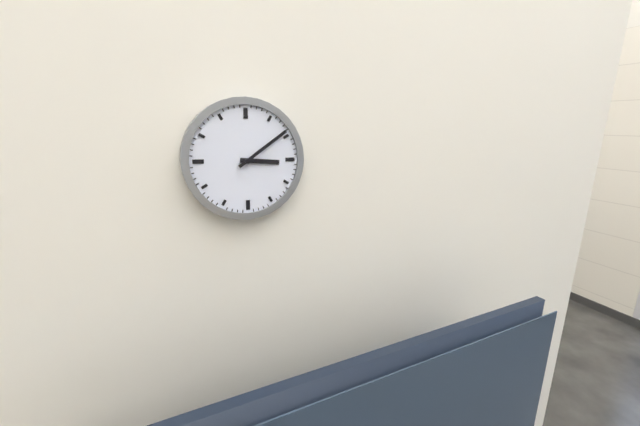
3:09
